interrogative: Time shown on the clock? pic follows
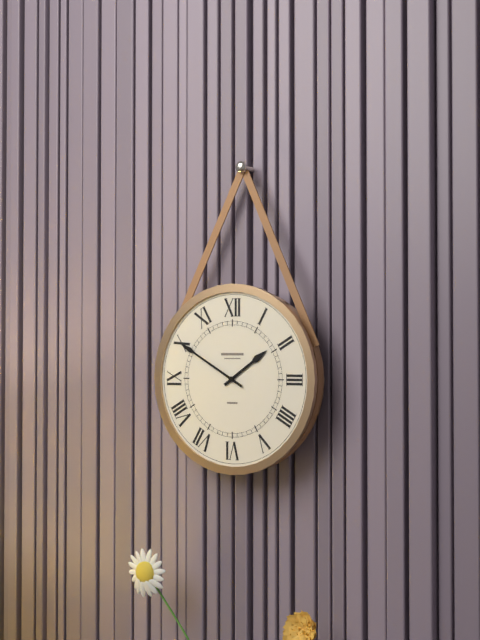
1:50
